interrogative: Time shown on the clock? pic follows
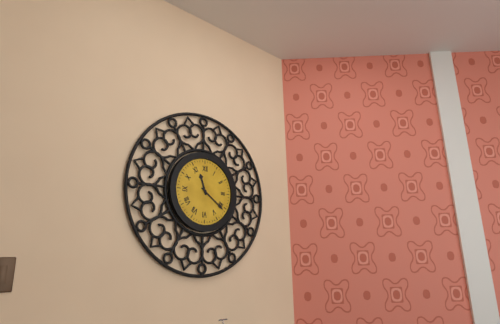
11:21
